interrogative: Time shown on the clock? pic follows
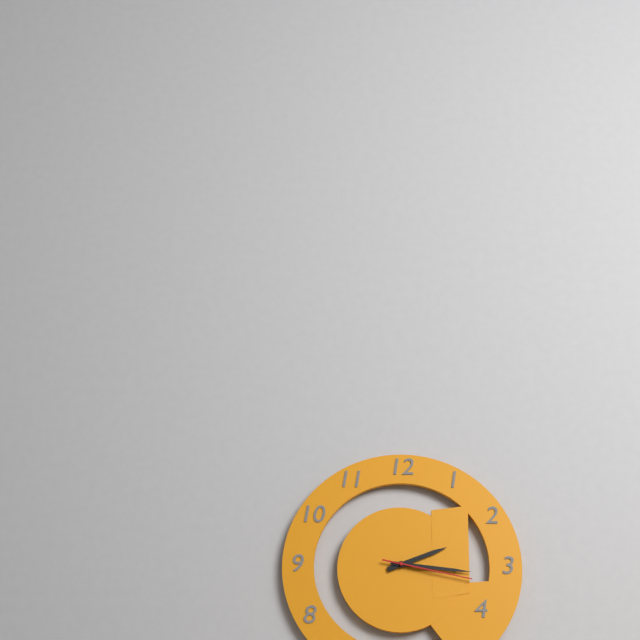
2:16:17
